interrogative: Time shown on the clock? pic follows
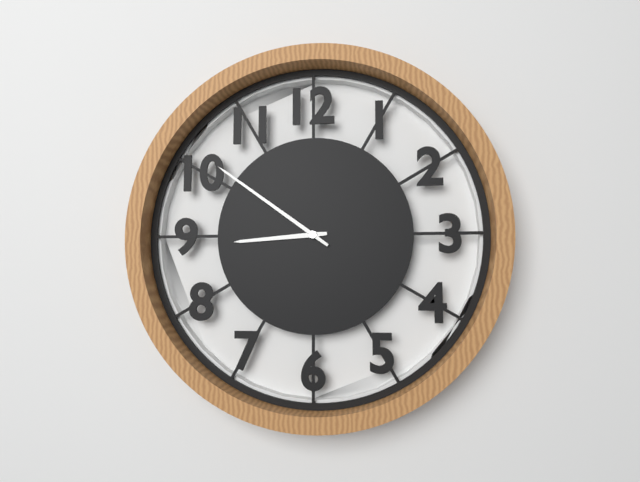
8:51
